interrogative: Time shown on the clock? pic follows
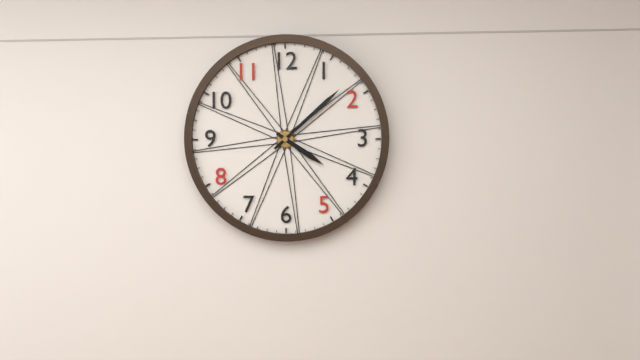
4:08
